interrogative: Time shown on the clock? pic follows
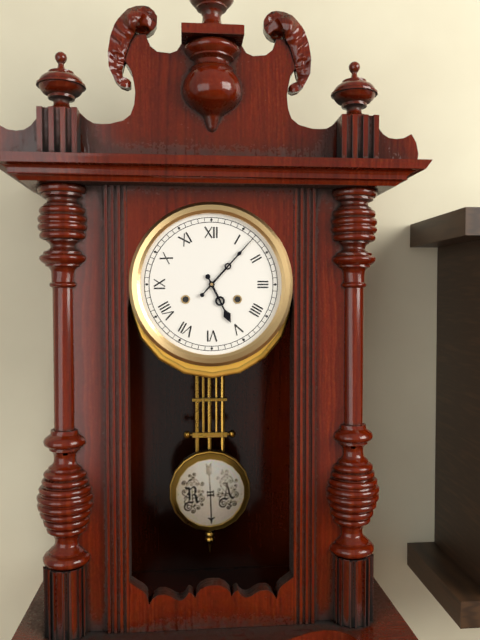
5:07
